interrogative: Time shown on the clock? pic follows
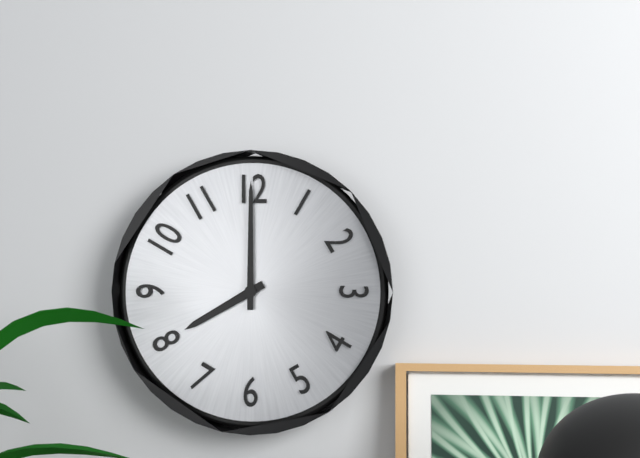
8:00
